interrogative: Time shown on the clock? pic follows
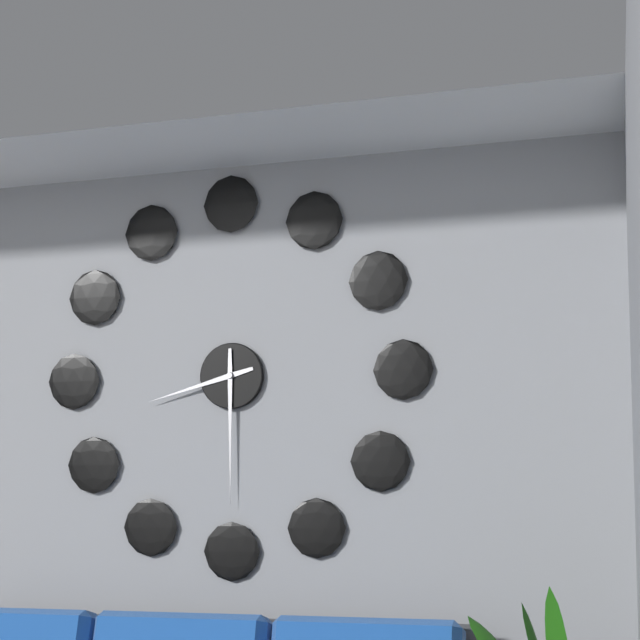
8:30
